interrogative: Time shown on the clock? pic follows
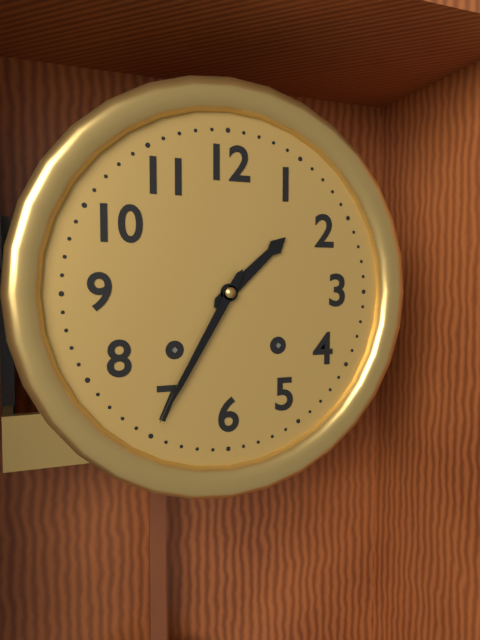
1:35
